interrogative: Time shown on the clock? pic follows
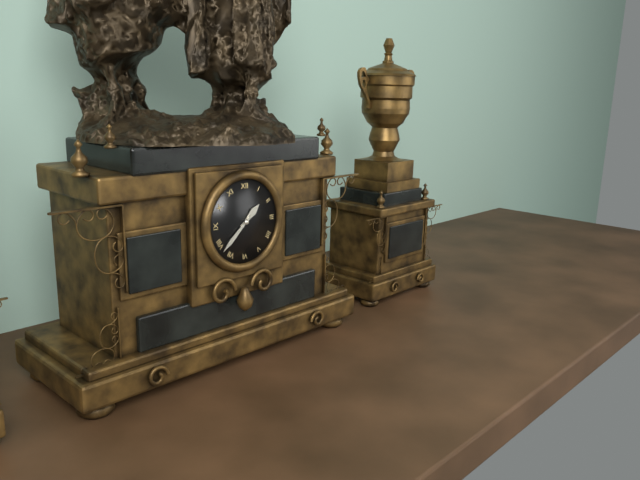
1:38
